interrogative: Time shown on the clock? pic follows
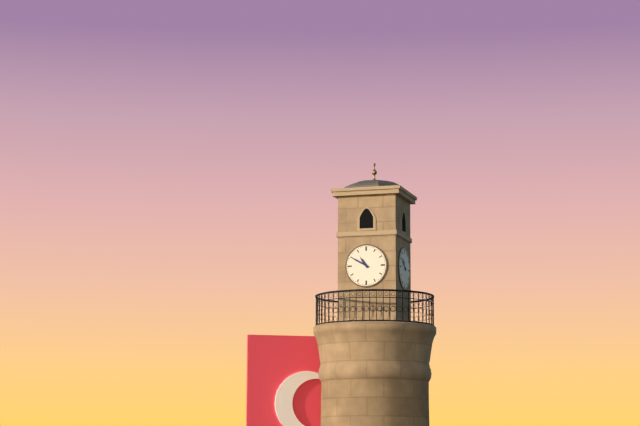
10:50
